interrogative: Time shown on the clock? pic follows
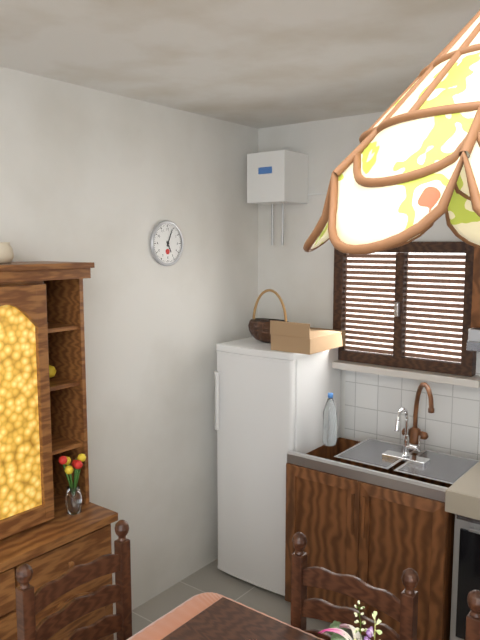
5:04
